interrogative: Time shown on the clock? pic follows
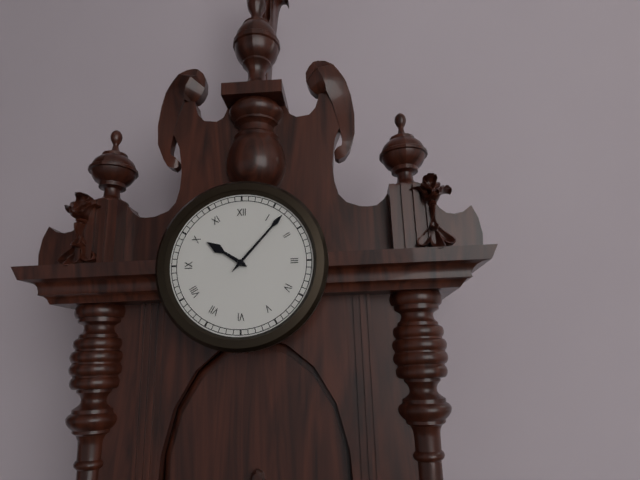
10:07
